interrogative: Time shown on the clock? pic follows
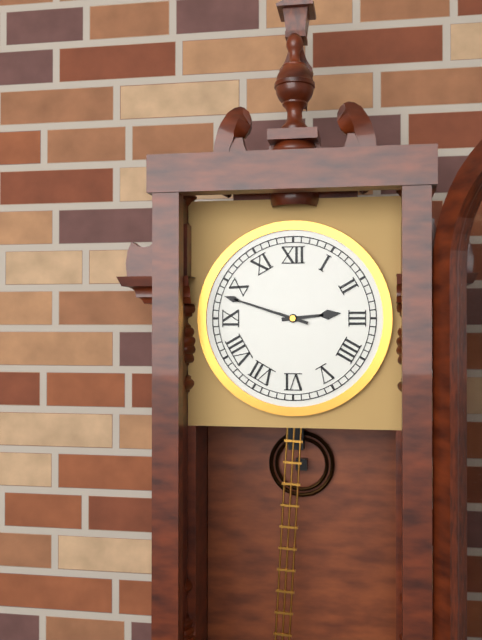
2:48
